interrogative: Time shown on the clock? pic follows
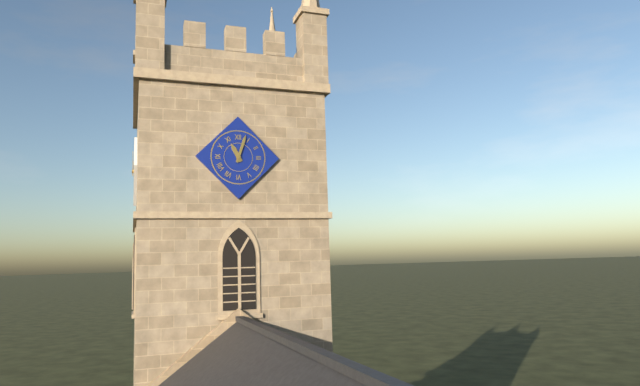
11:03
